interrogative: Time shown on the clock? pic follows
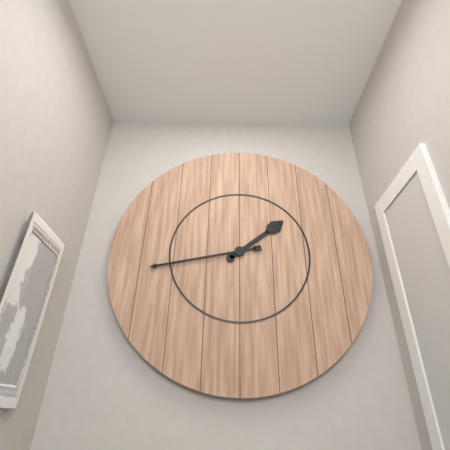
1:43
